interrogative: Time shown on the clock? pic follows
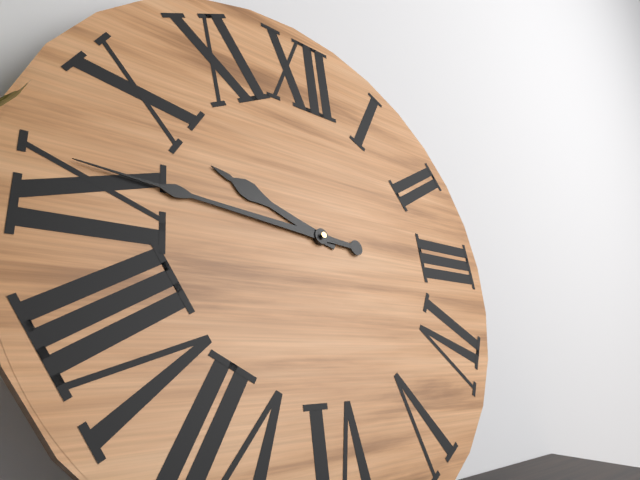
9:46
